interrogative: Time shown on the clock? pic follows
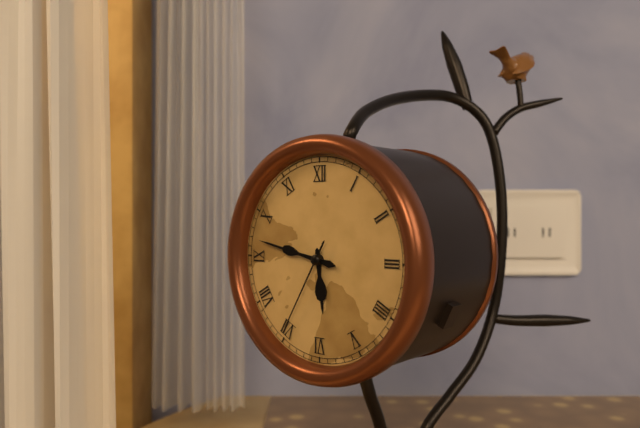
5:47:35
